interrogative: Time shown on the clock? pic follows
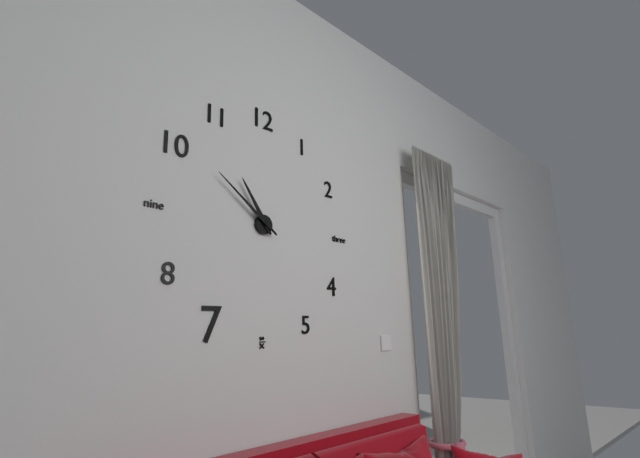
10:51
